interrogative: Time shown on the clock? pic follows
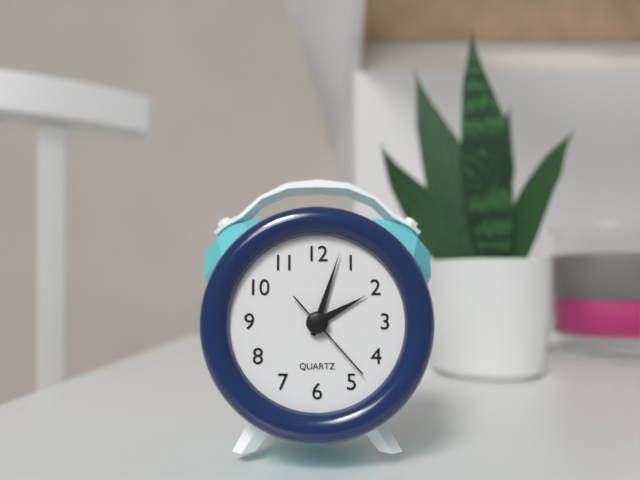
2:03:23
